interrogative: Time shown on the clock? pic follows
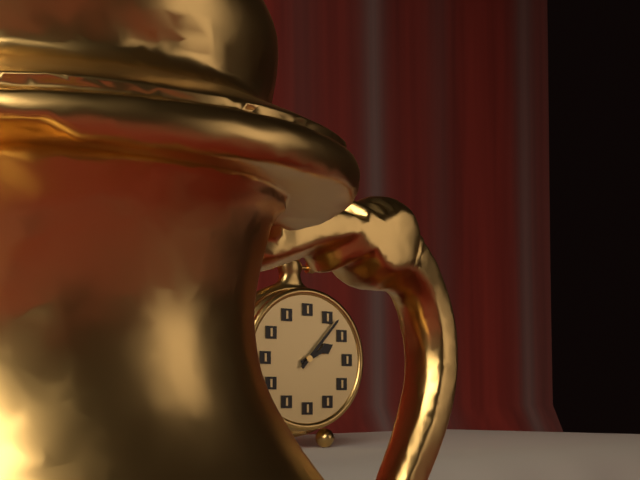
2:07
